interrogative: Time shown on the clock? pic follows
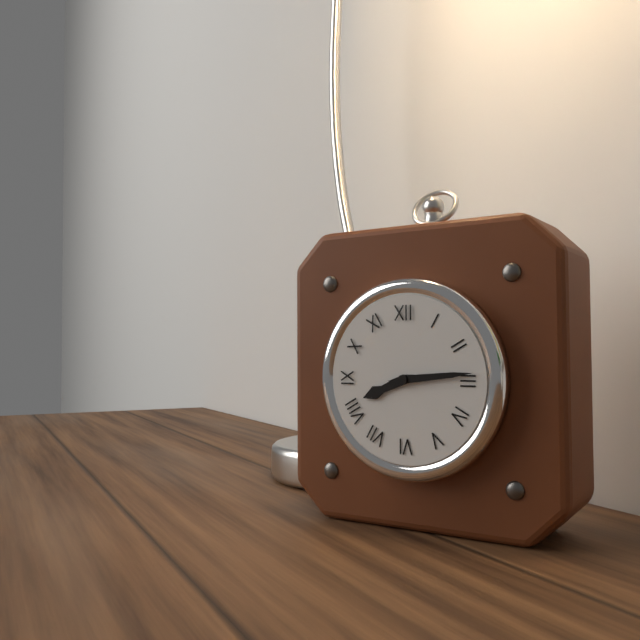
8:14
